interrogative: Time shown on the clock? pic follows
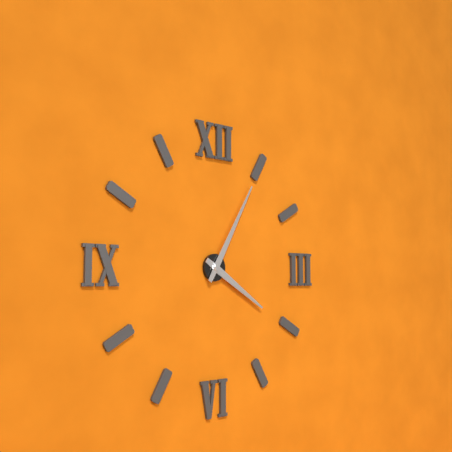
4:05
